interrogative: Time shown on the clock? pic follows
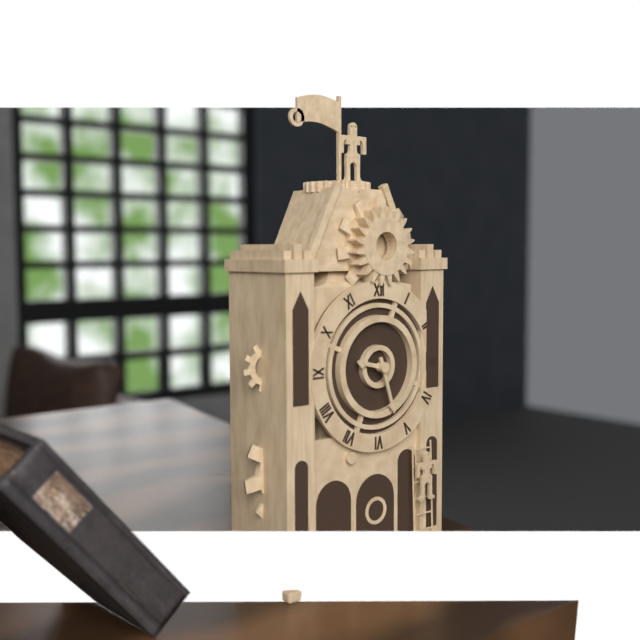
9:27
